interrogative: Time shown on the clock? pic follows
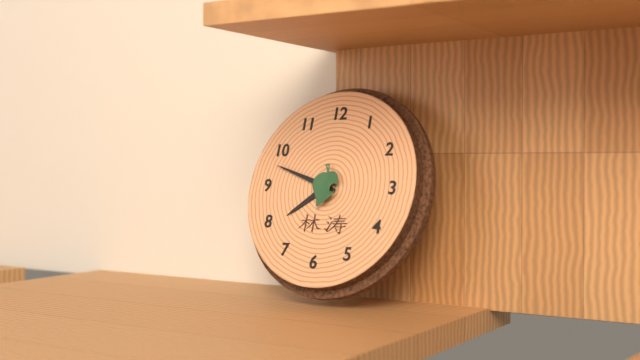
7:48
